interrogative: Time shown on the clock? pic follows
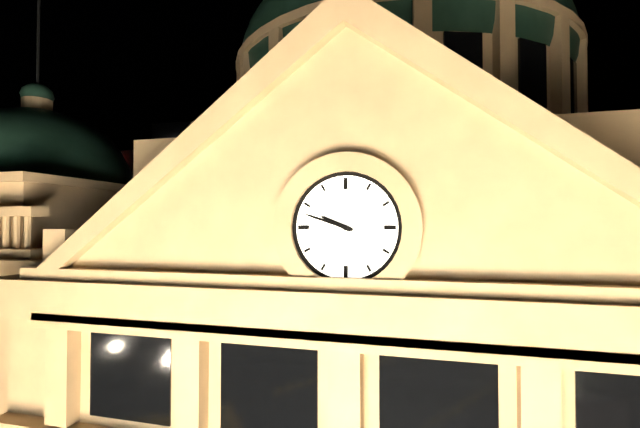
9:48
